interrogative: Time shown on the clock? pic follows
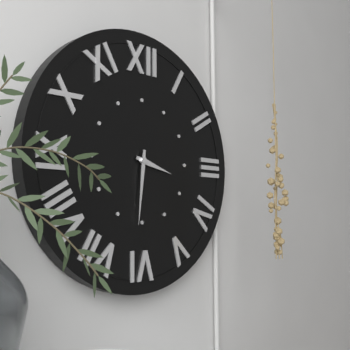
3:31
